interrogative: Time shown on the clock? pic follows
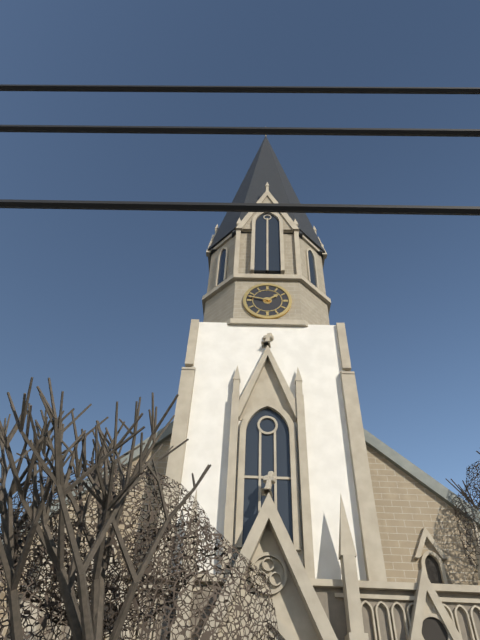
1:47
